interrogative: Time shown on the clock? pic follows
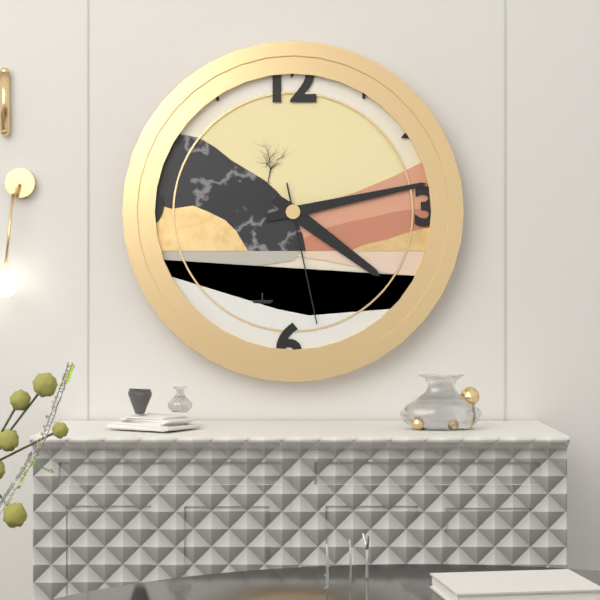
4:13:28
